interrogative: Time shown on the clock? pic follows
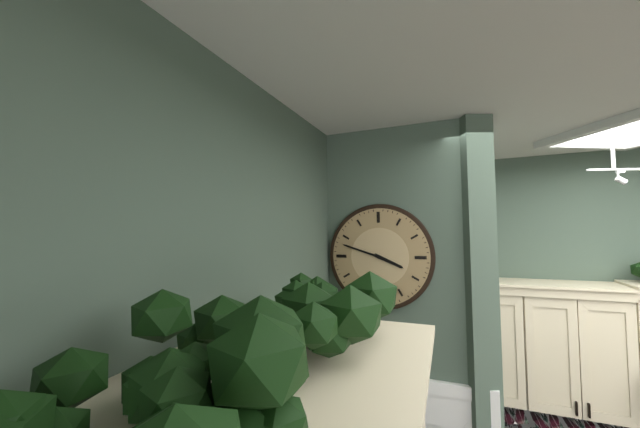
3:48
